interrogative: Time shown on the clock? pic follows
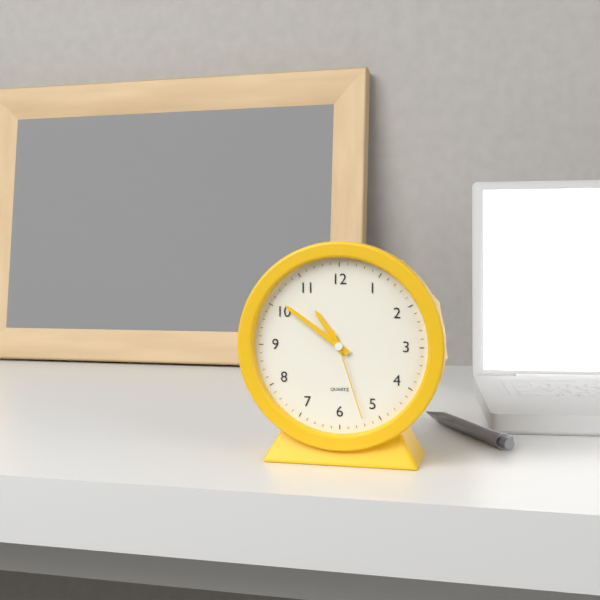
10:51:27
